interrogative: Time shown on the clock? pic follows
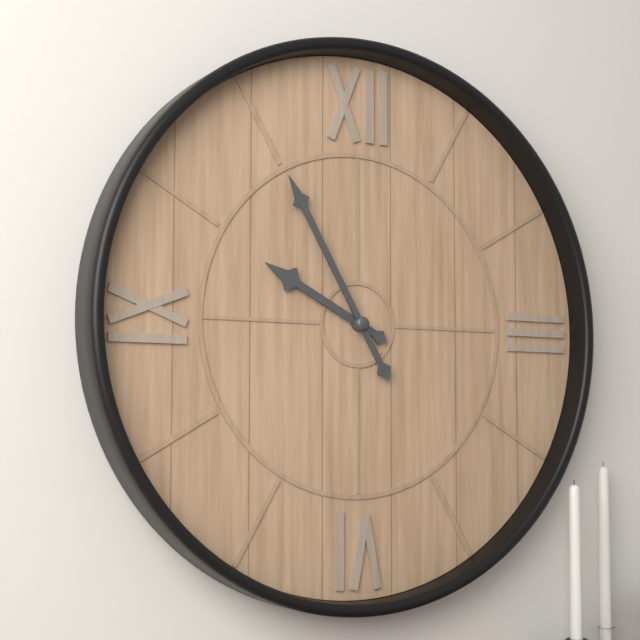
9:55
